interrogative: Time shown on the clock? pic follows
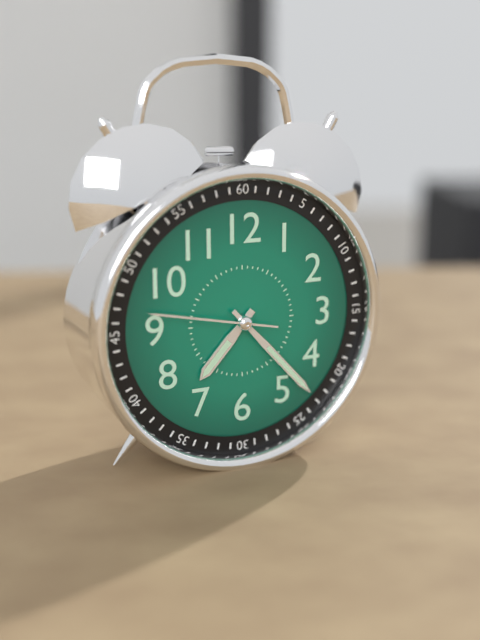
7:23:47
